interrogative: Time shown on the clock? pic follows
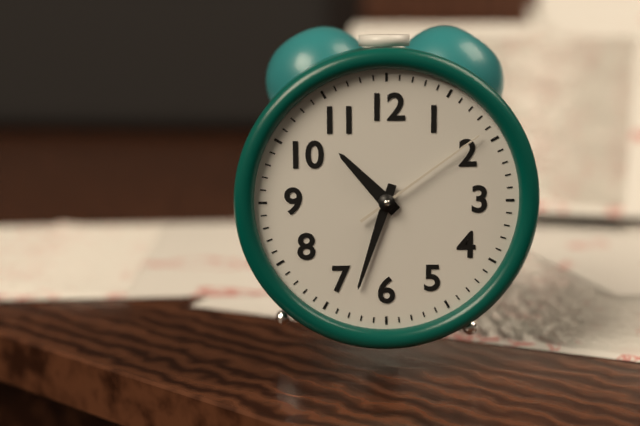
10:33:09
